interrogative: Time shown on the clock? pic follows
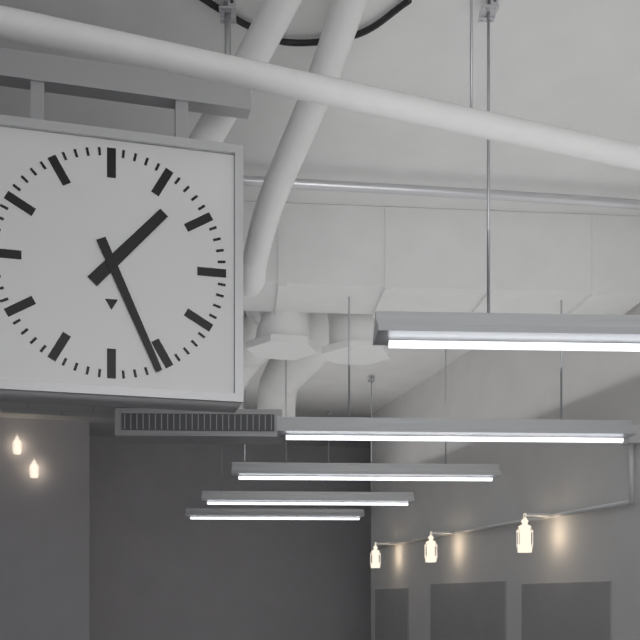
1:26
